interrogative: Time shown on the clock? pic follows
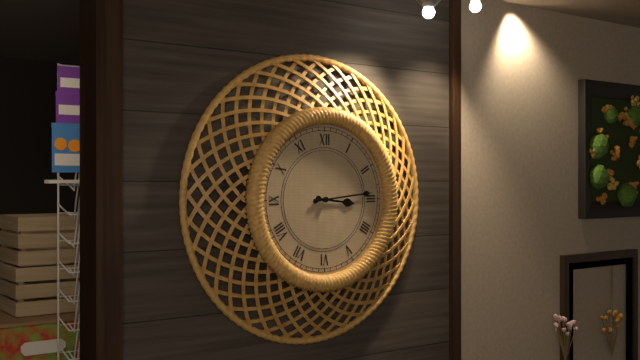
3:14
